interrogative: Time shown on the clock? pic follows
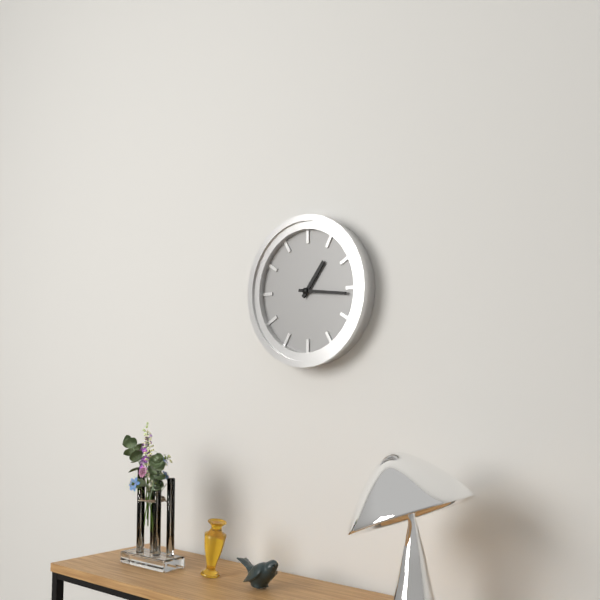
1:16
